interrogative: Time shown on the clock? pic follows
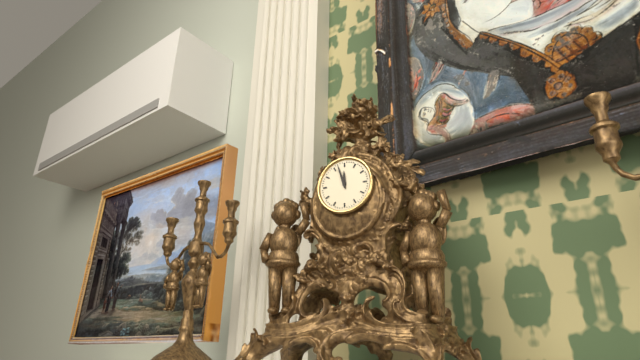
11:57
